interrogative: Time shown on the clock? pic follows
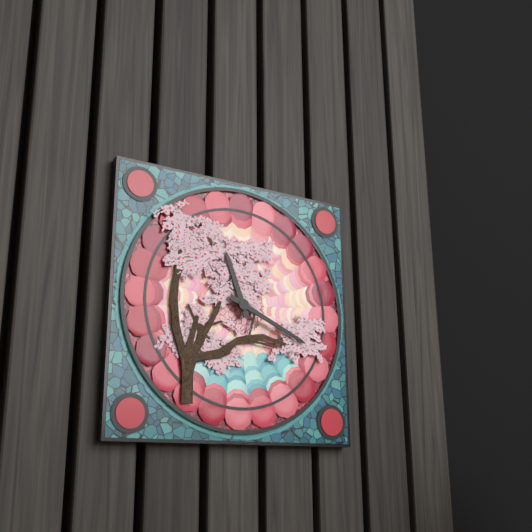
11:19
